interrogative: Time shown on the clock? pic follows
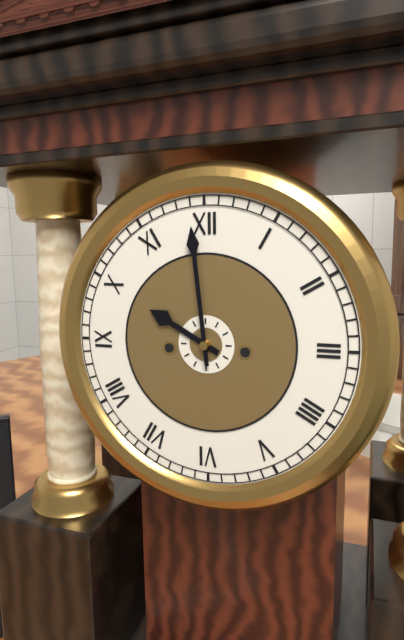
9:59
